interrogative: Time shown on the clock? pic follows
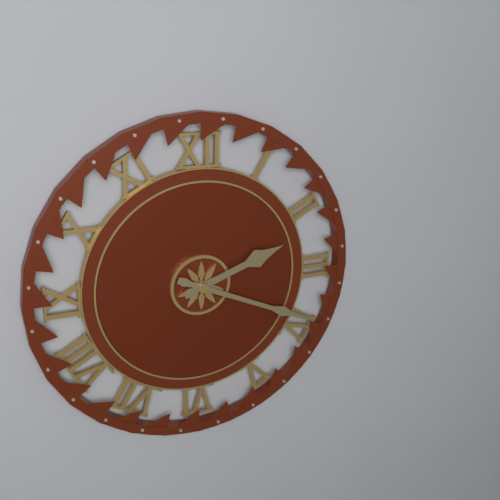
2:19
